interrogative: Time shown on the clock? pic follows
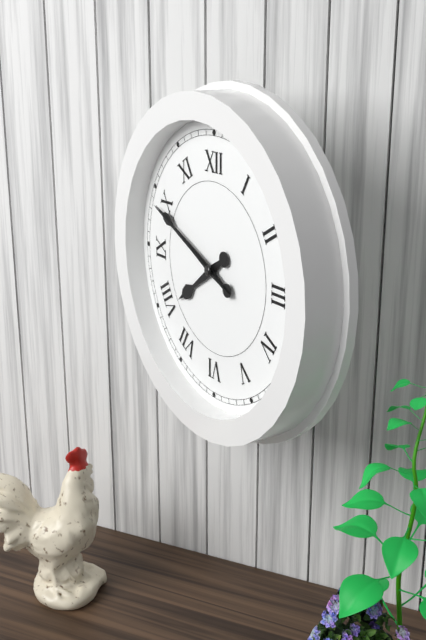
7:49:49
